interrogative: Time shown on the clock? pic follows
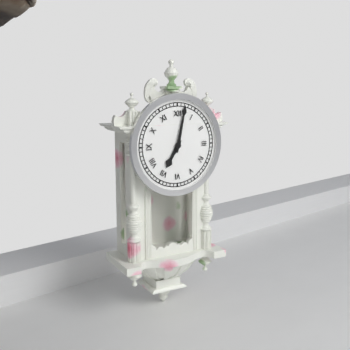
7:02
